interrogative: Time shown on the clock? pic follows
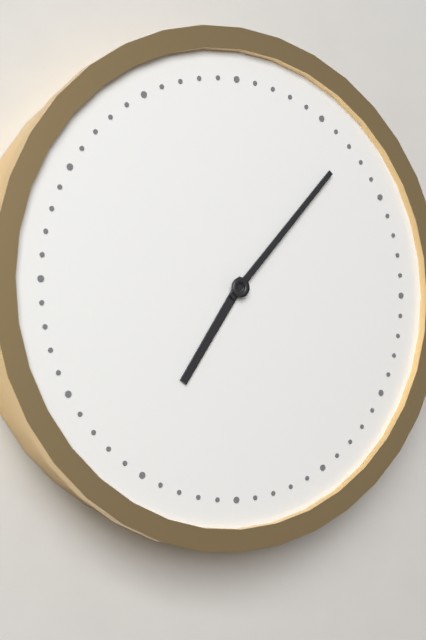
7:07
